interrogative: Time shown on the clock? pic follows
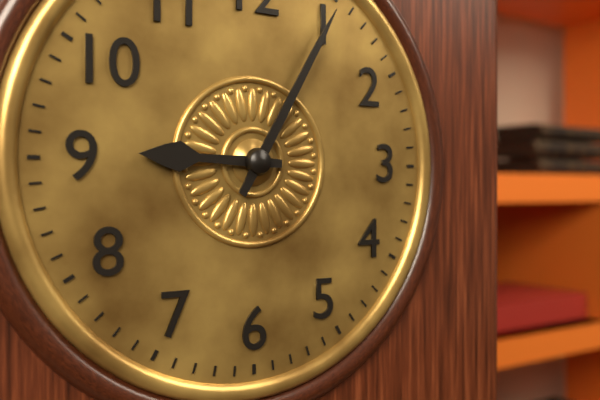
9:05
